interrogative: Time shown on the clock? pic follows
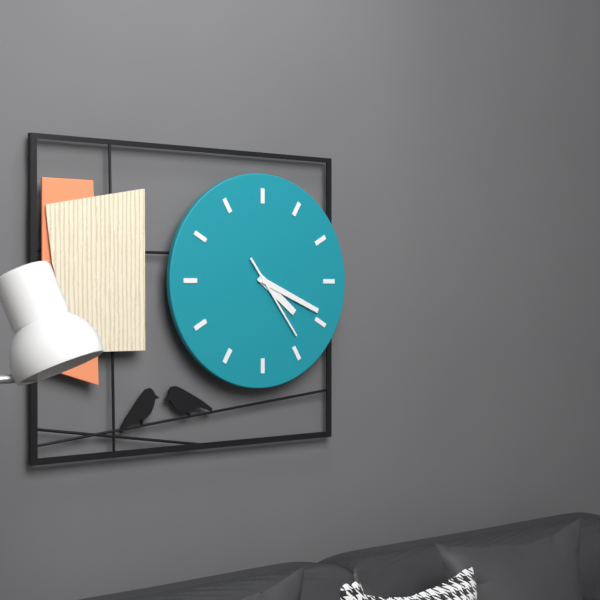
4:19:24
